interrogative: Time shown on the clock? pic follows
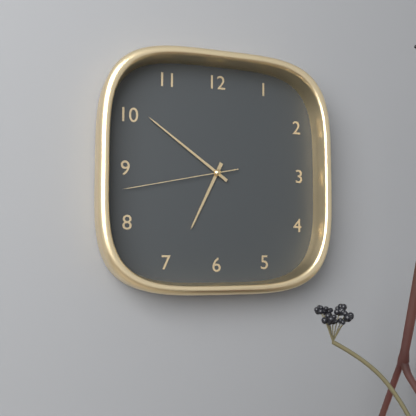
6:51:43
